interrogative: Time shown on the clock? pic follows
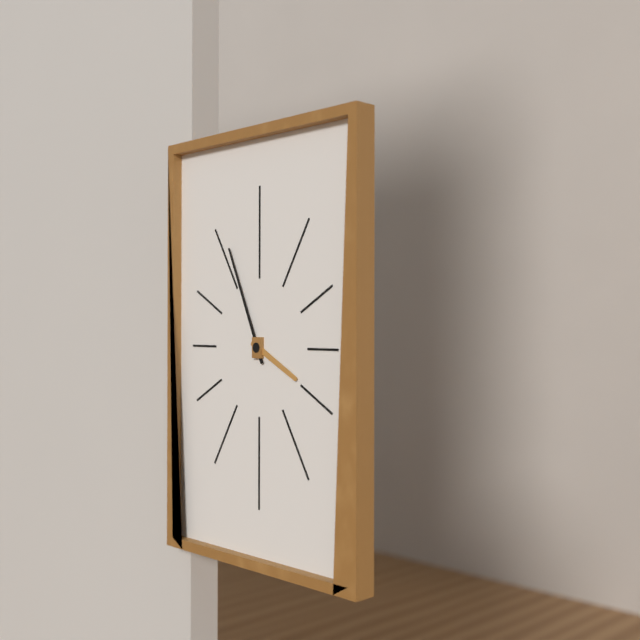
3:56
